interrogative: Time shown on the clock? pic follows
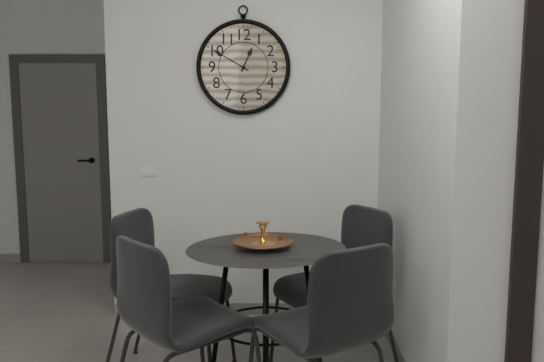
12:50
